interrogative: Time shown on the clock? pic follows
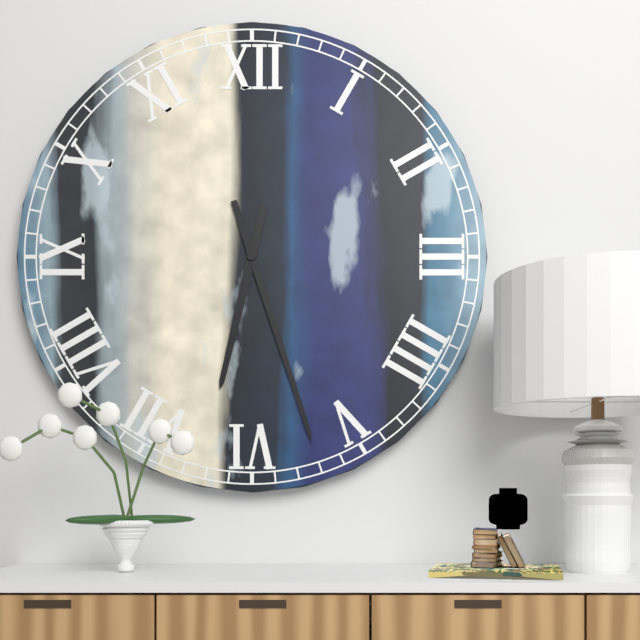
6:27
